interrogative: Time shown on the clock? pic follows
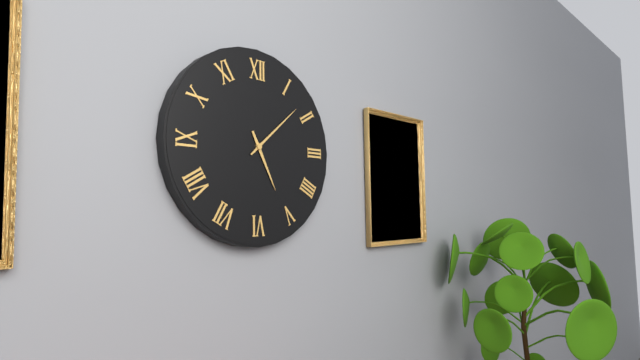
5:08
